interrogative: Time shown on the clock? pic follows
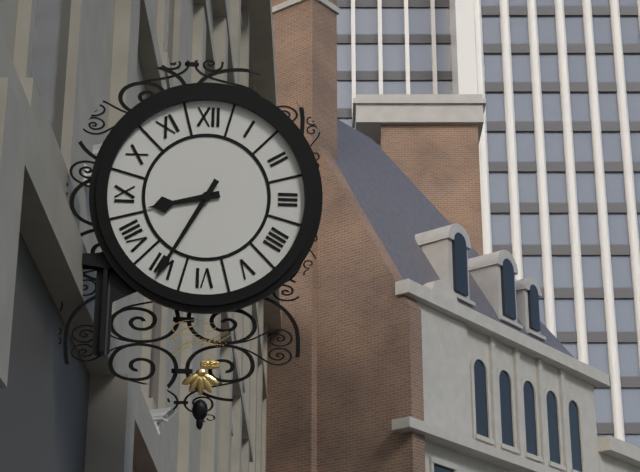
8:35
